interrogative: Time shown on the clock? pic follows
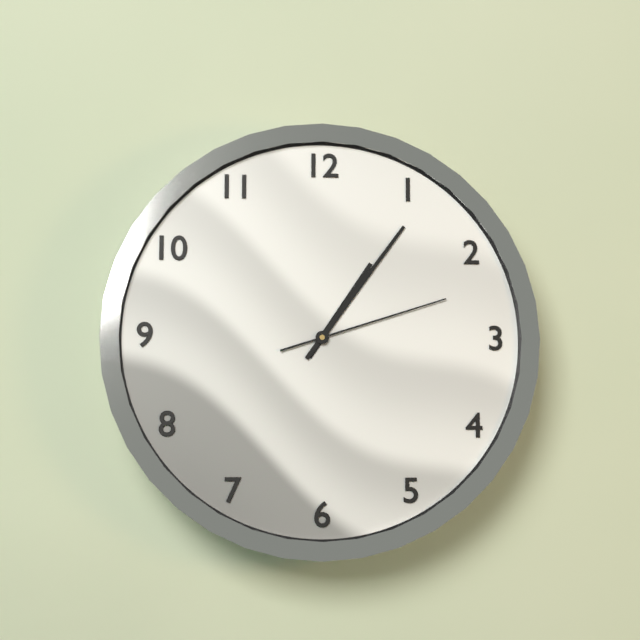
1:06:12
